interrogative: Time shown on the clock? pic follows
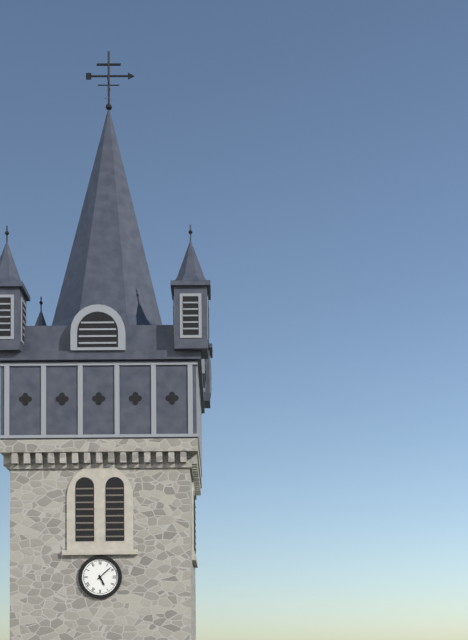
5:08
